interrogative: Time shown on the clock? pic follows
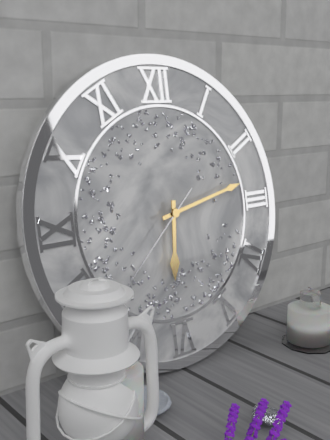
6:13:38
